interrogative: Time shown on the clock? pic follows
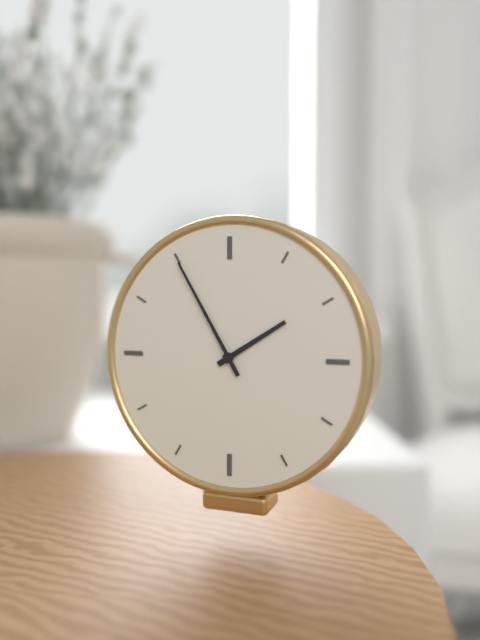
1:55
